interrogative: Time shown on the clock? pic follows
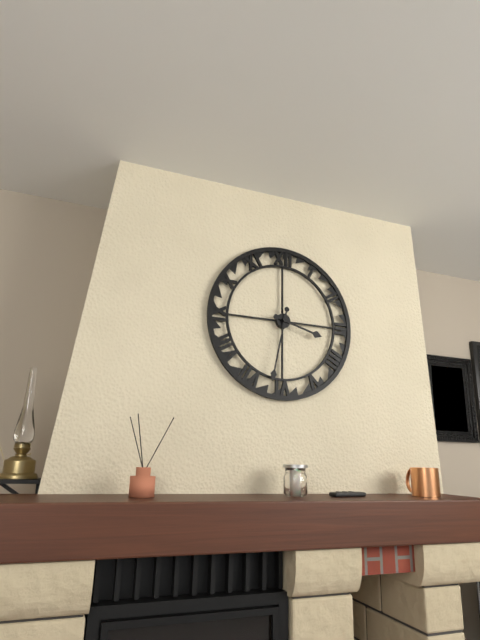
3:32
